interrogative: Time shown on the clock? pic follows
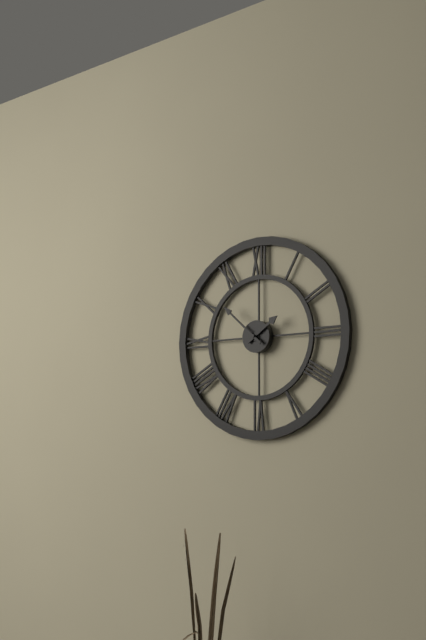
1:52
